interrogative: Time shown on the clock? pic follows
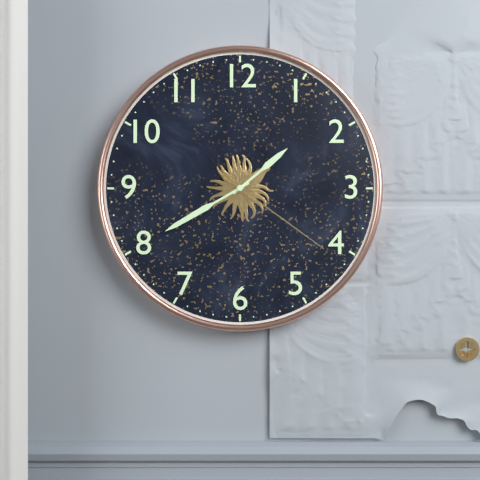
1:40:21
